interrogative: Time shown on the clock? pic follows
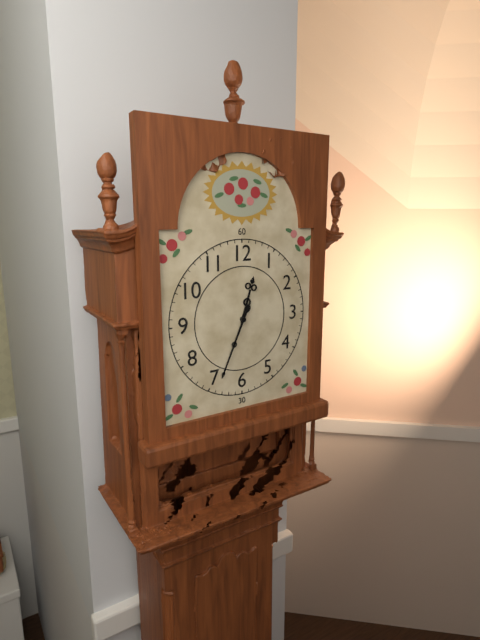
12:34
